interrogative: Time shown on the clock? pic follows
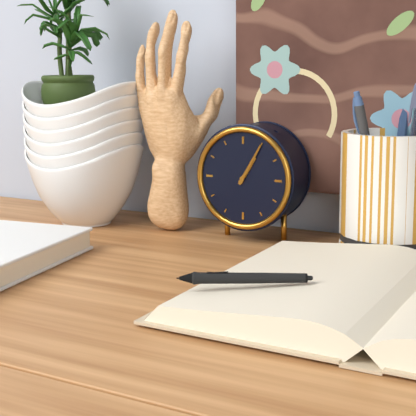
1:05
